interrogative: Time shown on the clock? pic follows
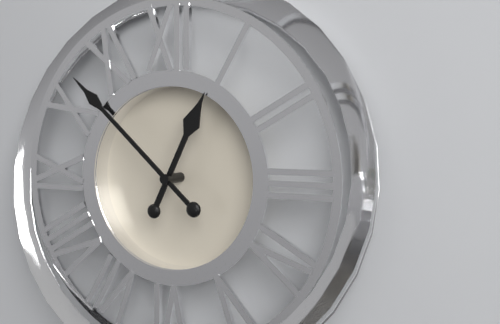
12:52
